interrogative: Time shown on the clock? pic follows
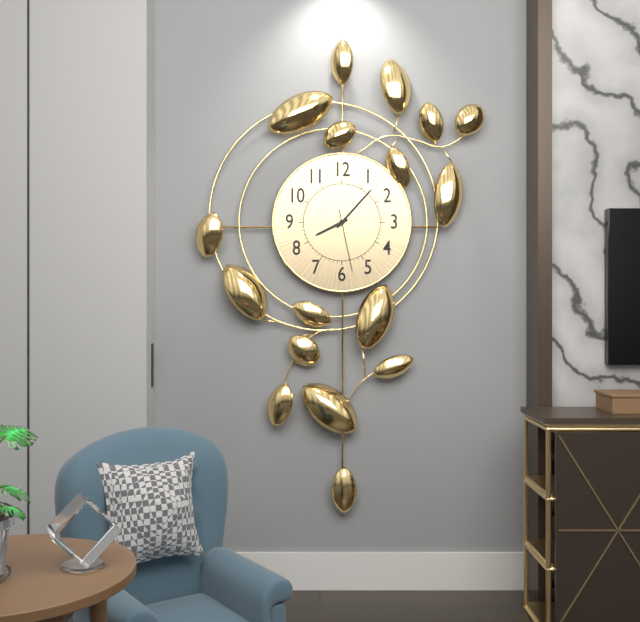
8:07:28
